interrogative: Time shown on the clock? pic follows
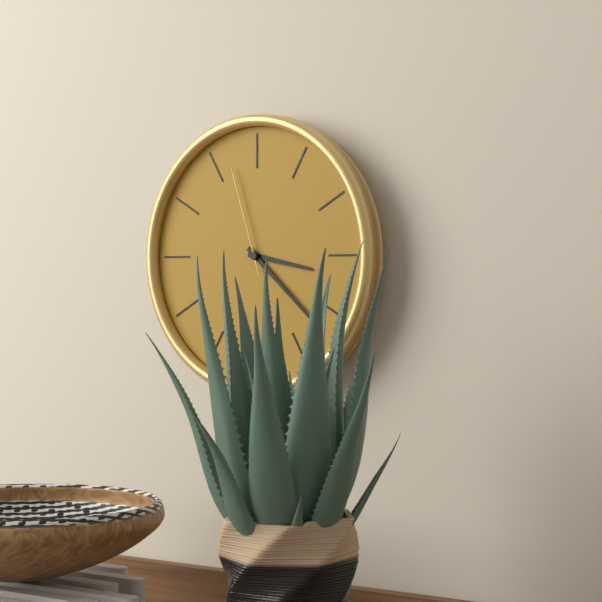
3:22:57
